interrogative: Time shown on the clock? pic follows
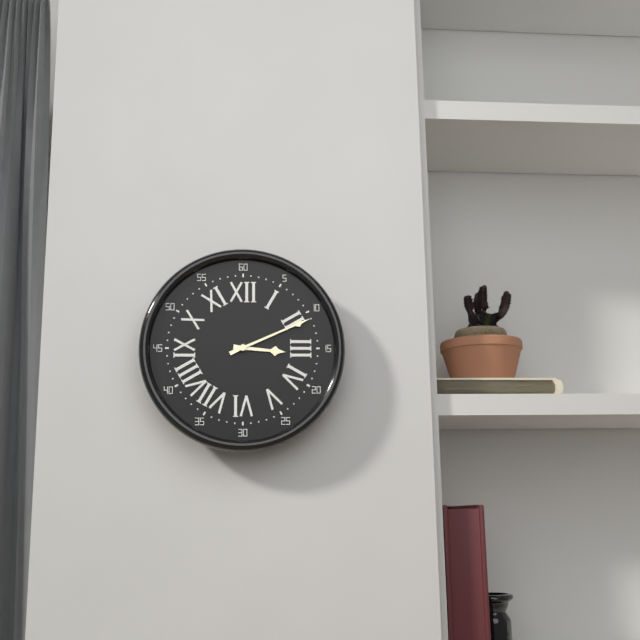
3:11
